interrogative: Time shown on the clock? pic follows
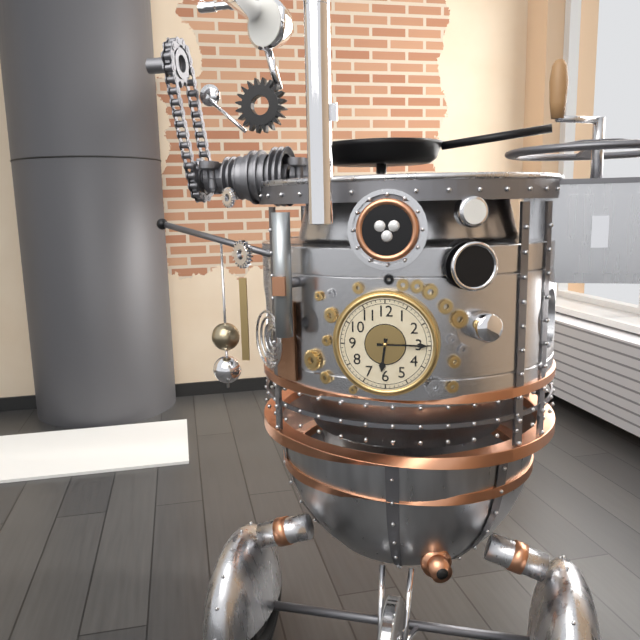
6:15
